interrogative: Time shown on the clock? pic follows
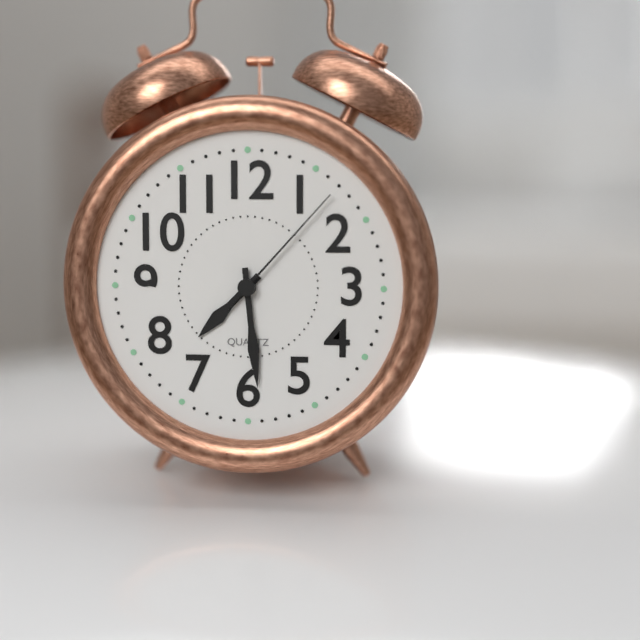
7:29:07
